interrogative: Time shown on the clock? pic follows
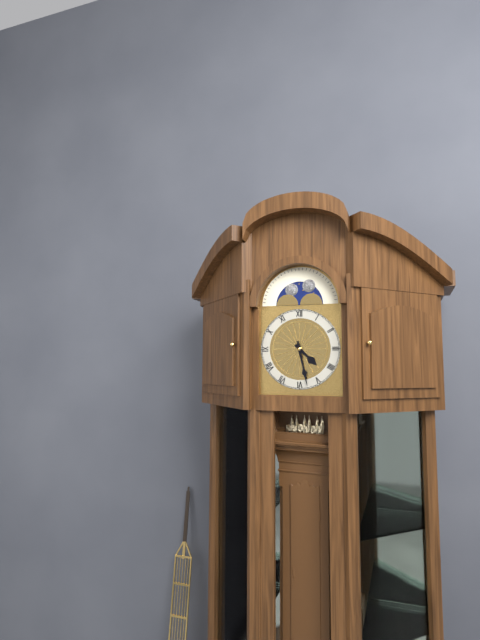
4:28
